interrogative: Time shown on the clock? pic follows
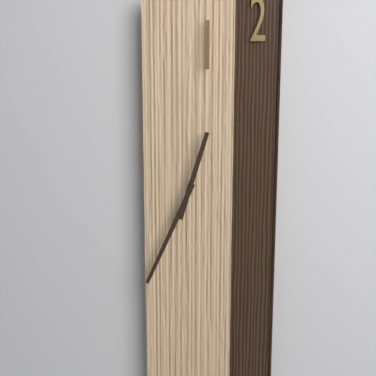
12:34
